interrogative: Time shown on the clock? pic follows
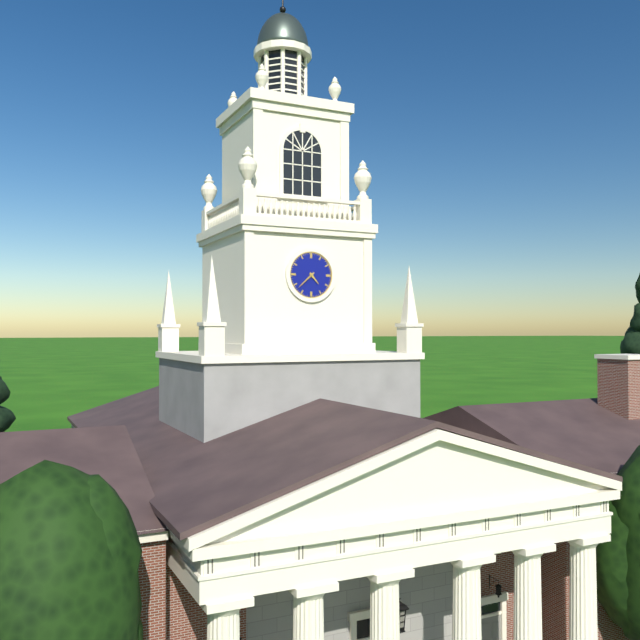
4:38
